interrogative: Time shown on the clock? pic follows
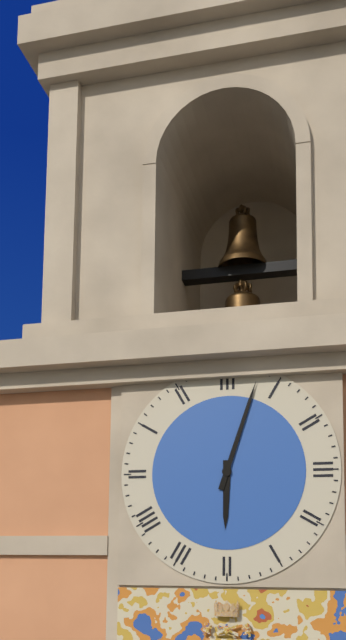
6:03
